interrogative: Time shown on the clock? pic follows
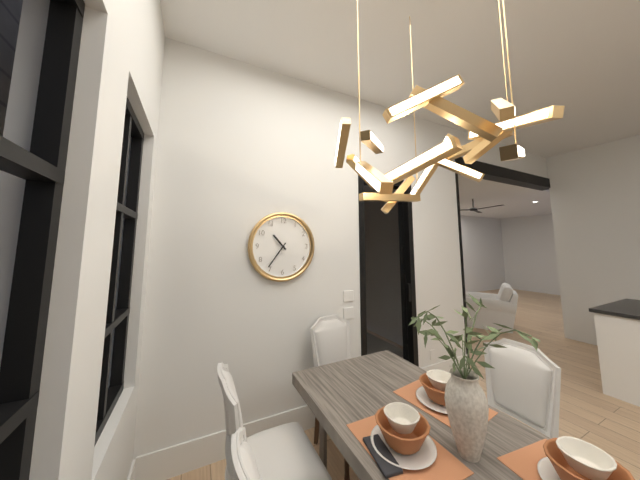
10:36
